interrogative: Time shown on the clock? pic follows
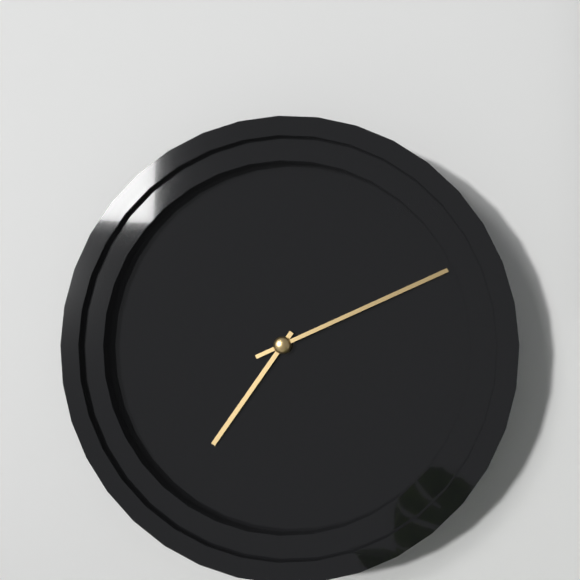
7:11
